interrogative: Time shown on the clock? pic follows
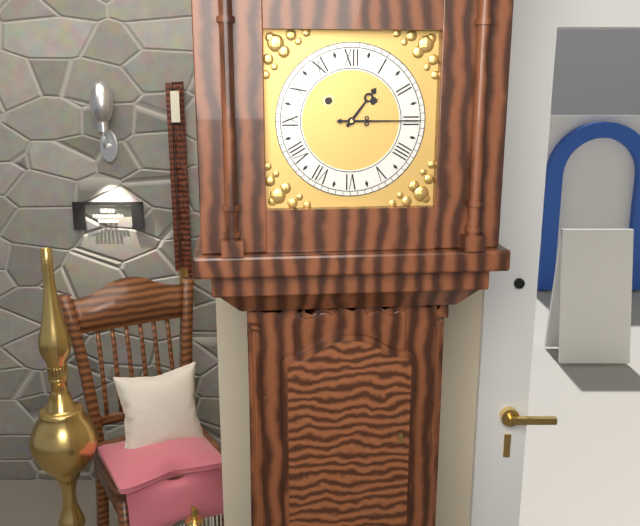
1:15
